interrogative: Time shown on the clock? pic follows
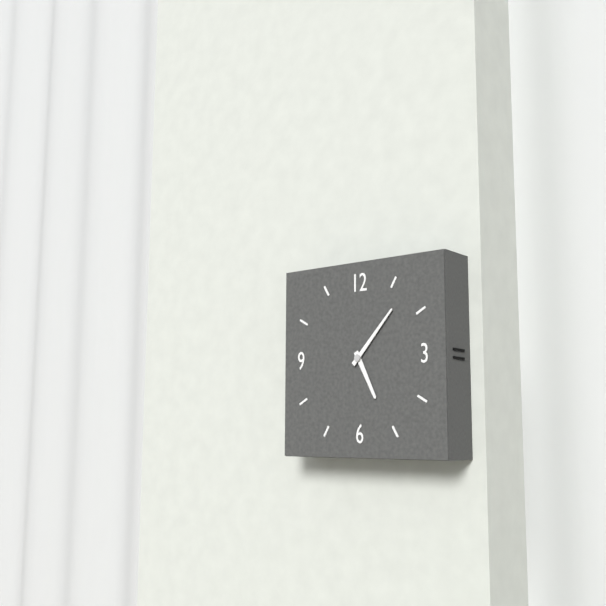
5:07
